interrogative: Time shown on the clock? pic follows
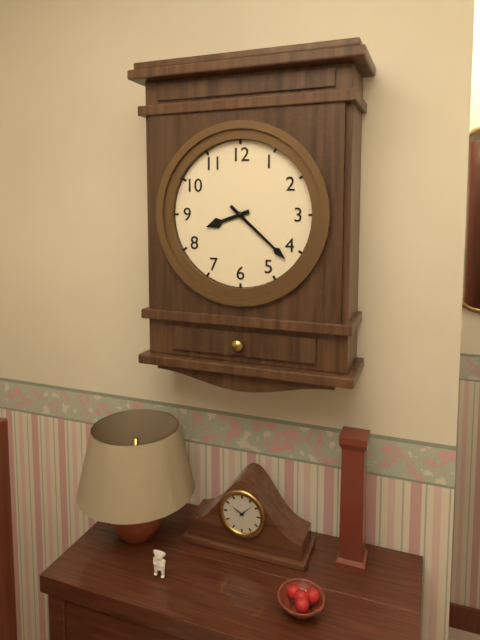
8:22
